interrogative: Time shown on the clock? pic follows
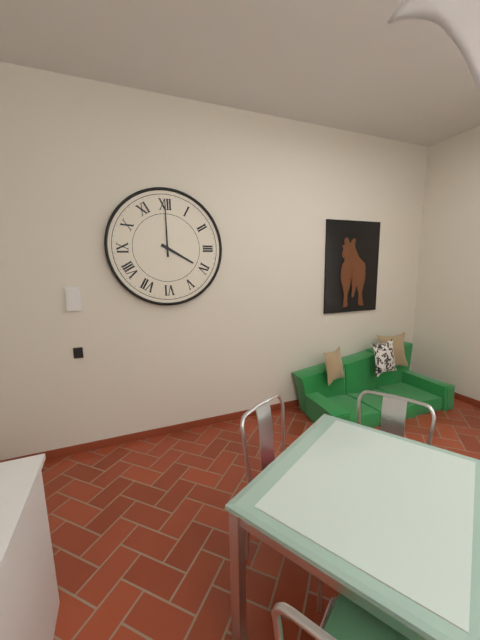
4:00
